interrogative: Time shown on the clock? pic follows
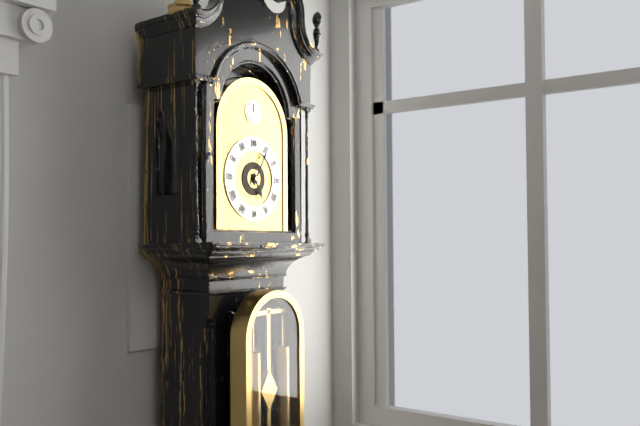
5:05
